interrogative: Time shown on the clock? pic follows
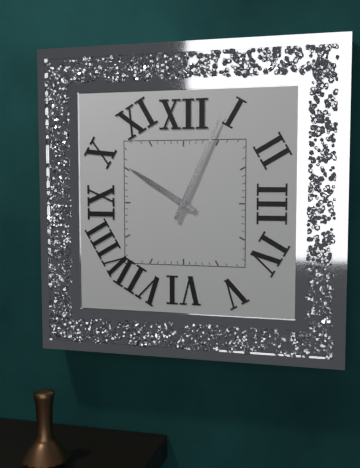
10:04
